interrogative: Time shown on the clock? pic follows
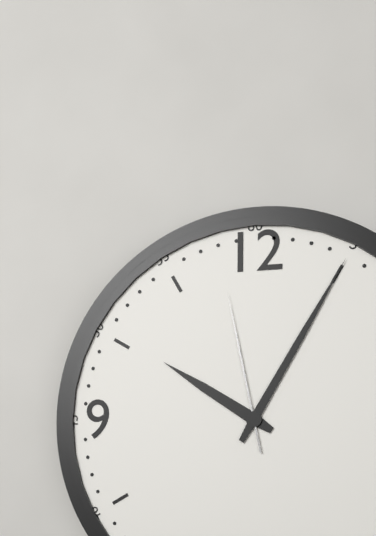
10:05:58
